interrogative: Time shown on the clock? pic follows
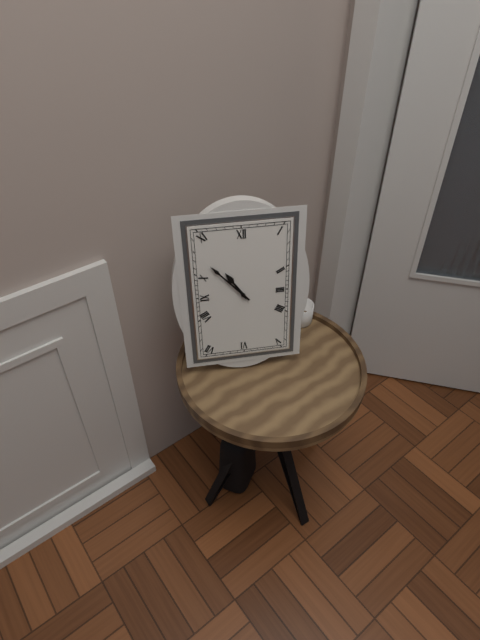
10:53
